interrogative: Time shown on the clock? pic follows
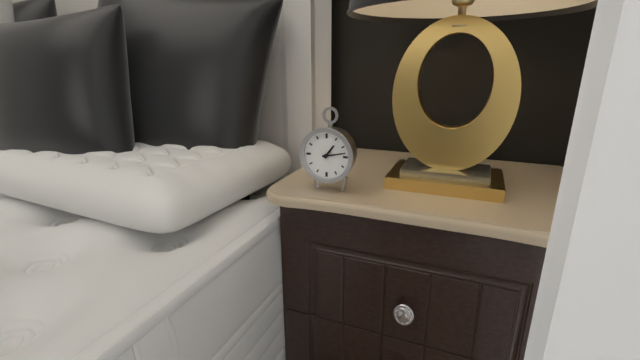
1:13
